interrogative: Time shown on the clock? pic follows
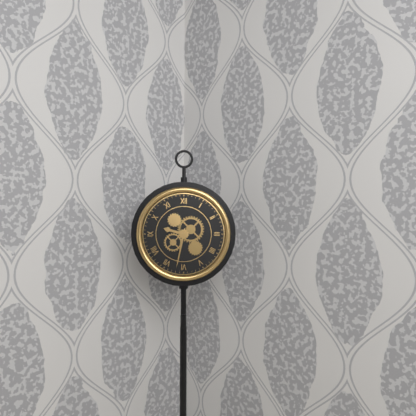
9:32
